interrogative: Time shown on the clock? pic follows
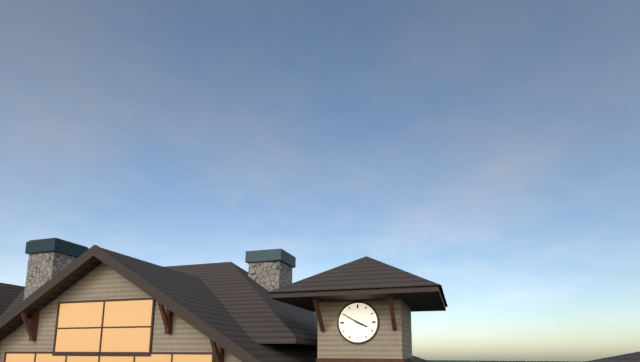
3:50
